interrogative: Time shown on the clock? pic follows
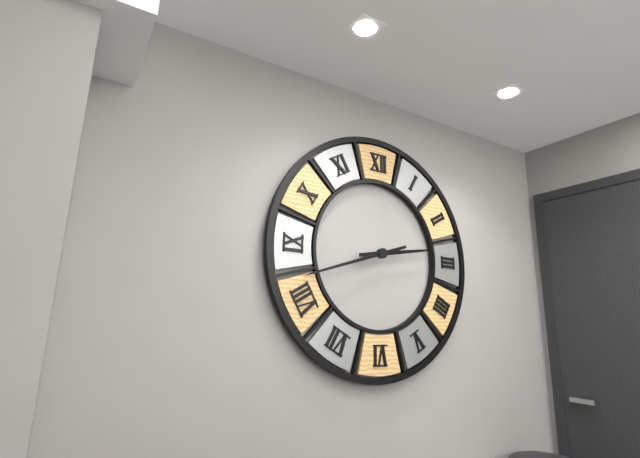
2:42
